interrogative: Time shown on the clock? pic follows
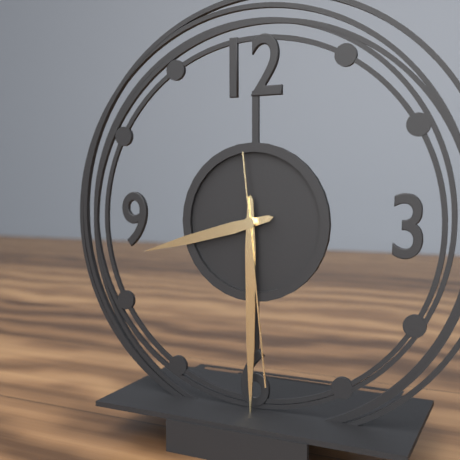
8:30:29
